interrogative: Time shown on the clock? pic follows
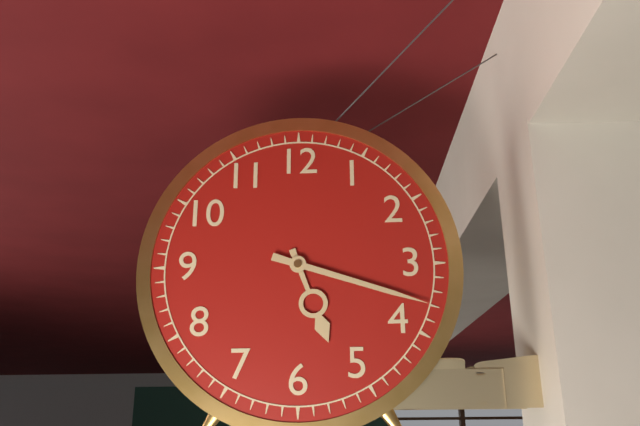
5:18
